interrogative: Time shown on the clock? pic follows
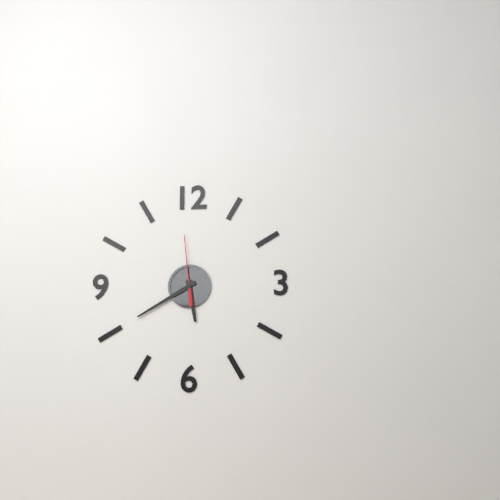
5:40:59
